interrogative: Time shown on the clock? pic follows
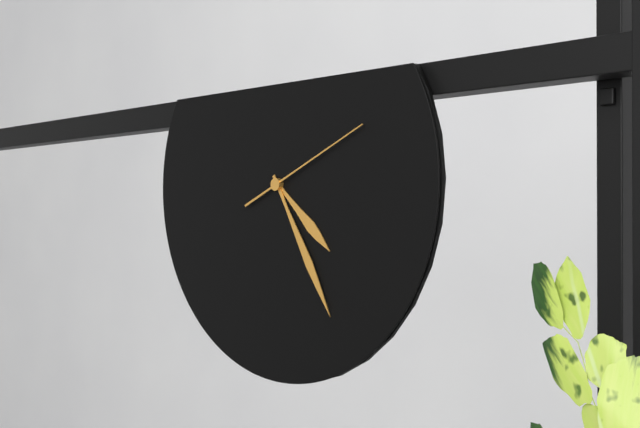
4:25:11
